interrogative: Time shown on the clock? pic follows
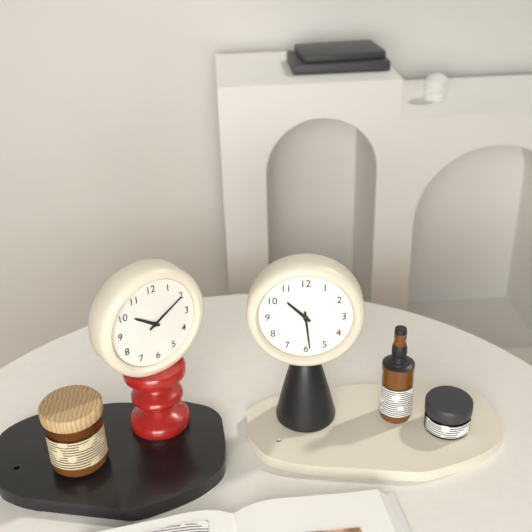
10:29
